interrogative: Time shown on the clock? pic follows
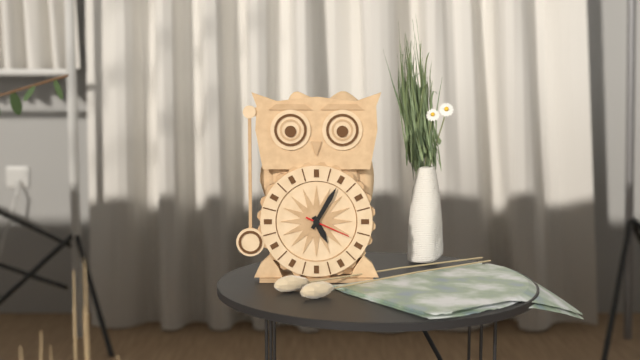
5:05
